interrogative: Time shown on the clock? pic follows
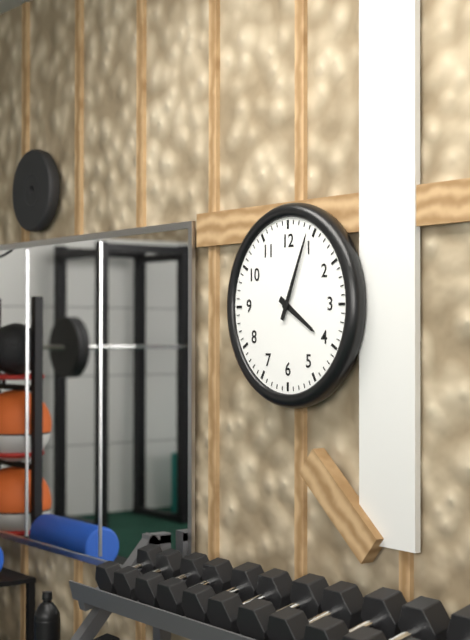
4:04
